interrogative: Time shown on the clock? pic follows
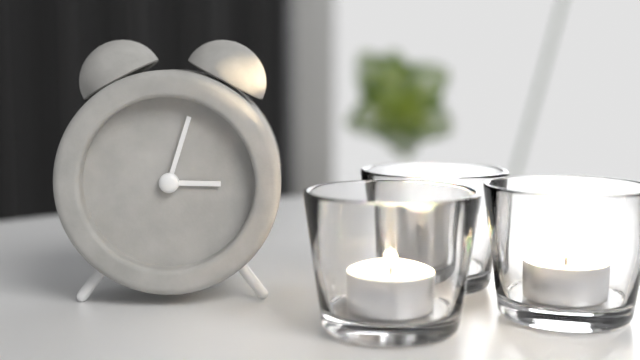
3:03
